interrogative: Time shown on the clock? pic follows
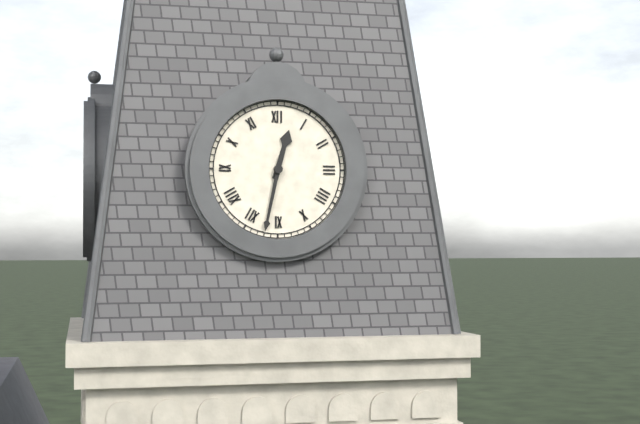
12:32
